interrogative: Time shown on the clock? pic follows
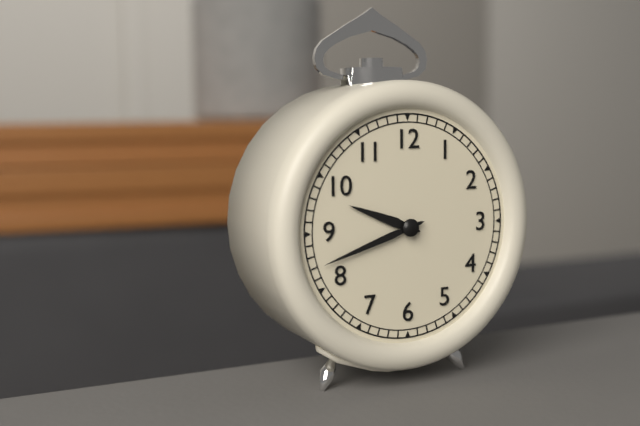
9:42
